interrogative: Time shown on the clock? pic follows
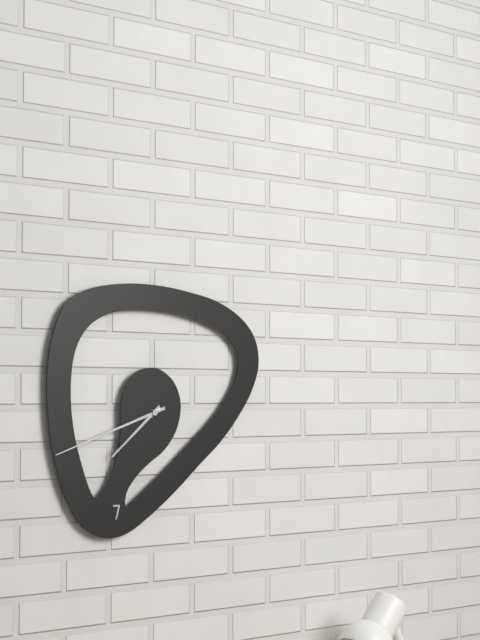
7:42
